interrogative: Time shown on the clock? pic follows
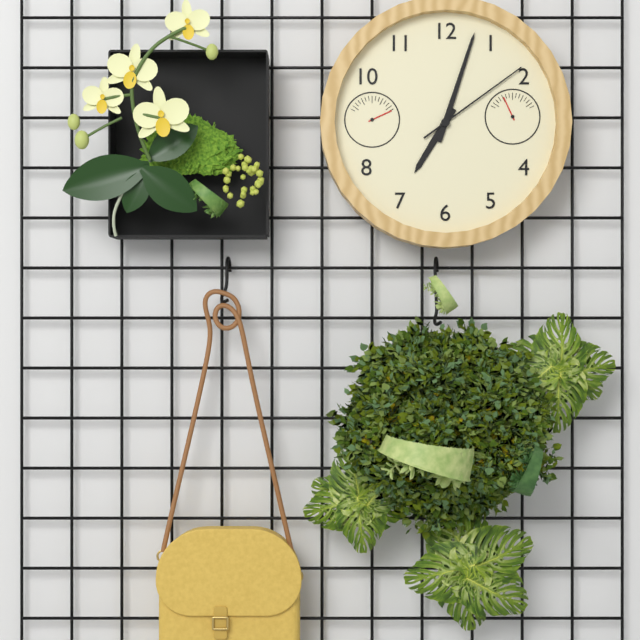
7:03:09
